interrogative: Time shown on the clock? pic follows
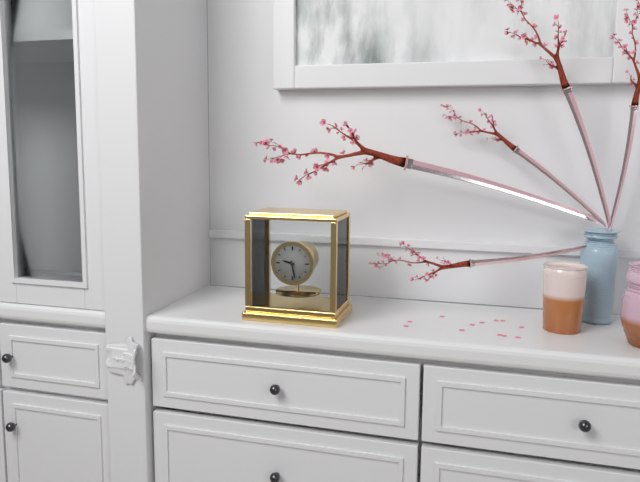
9:28
